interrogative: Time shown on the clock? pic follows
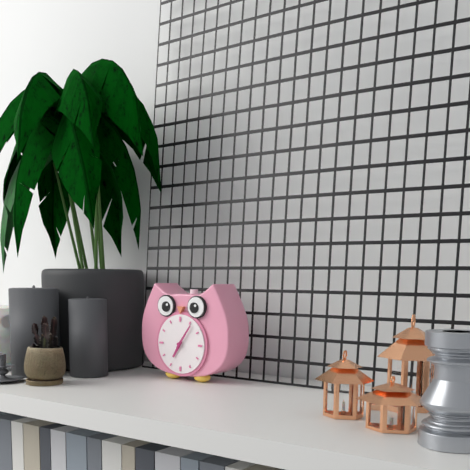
7:06
